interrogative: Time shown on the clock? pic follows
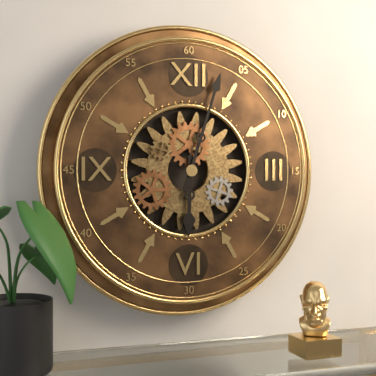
6:03
